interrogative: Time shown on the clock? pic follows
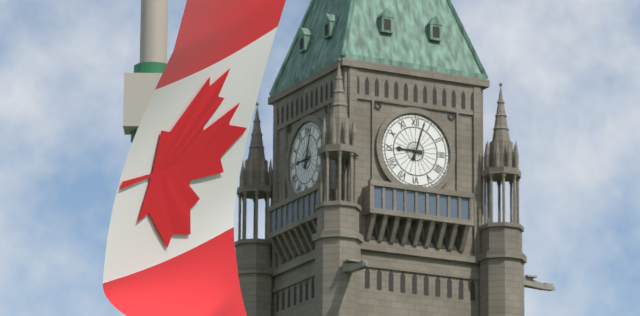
9:03
